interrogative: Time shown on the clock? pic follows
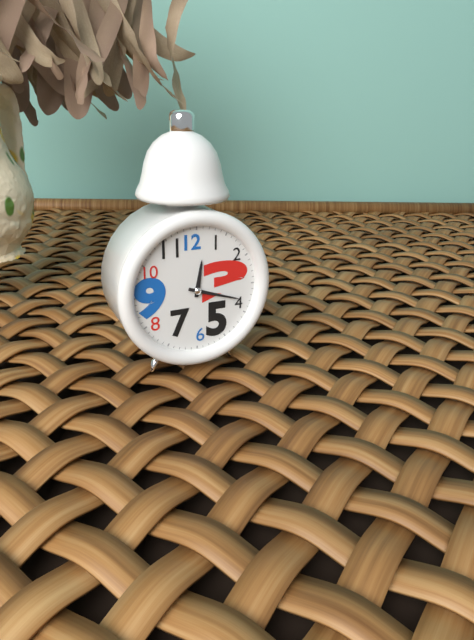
12:18
